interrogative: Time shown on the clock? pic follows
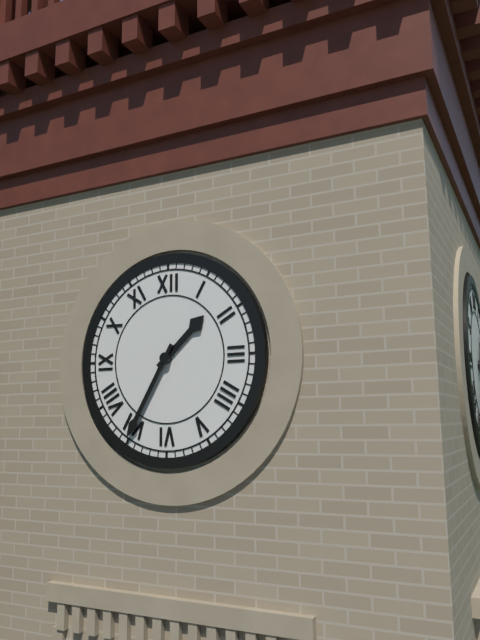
1:35
